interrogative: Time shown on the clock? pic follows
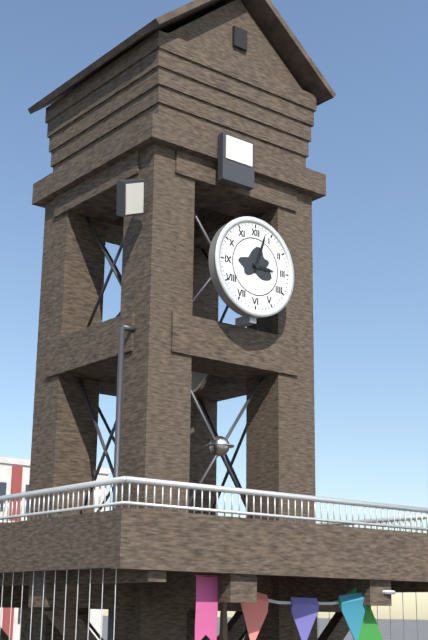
3:03
